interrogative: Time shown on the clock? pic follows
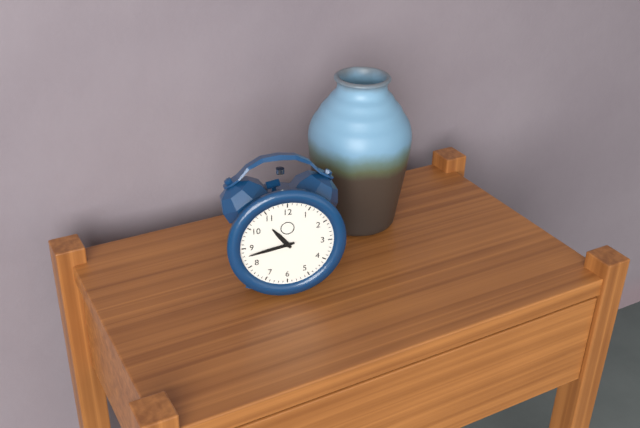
10:43
